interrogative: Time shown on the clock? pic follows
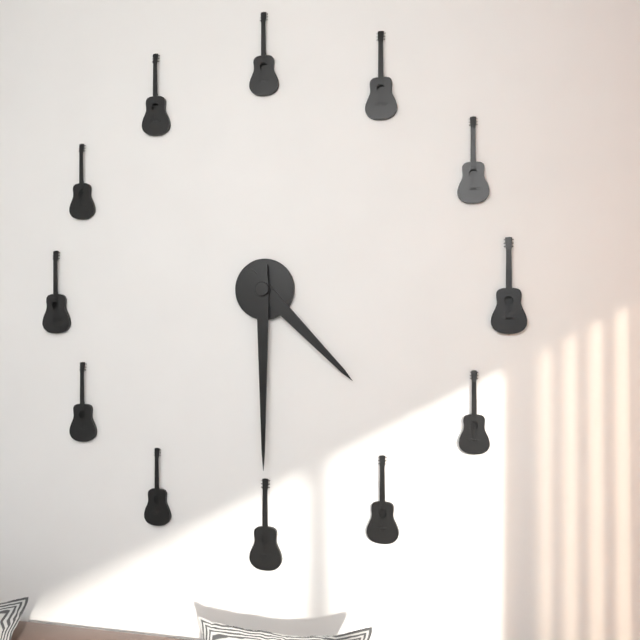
4:30
